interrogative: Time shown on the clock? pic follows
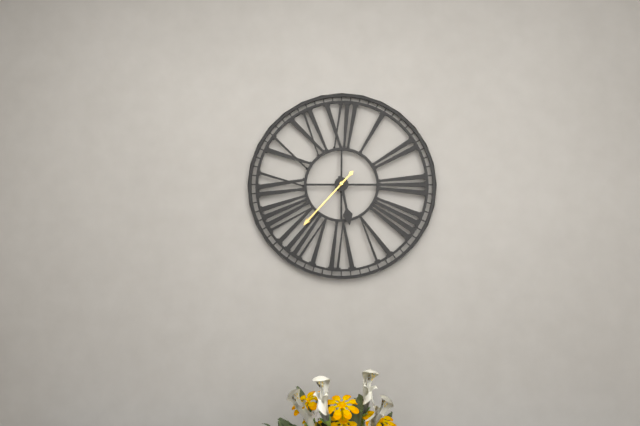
5:37
